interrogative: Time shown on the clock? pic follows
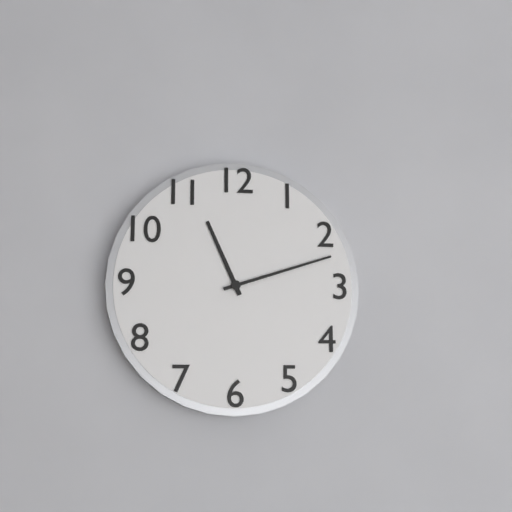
11:12
